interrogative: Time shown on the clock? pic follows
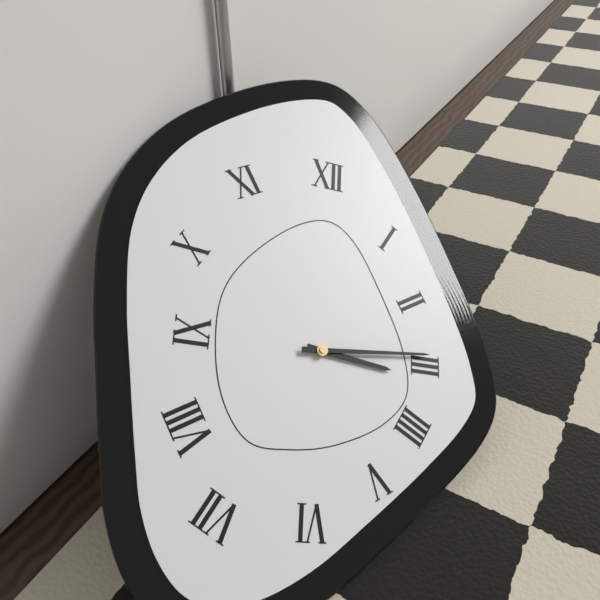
3:14
